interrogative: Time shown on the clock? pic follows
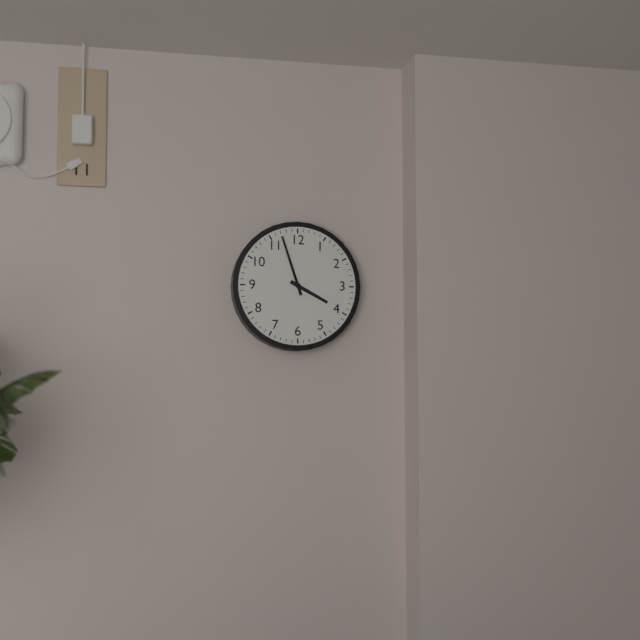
3:57
